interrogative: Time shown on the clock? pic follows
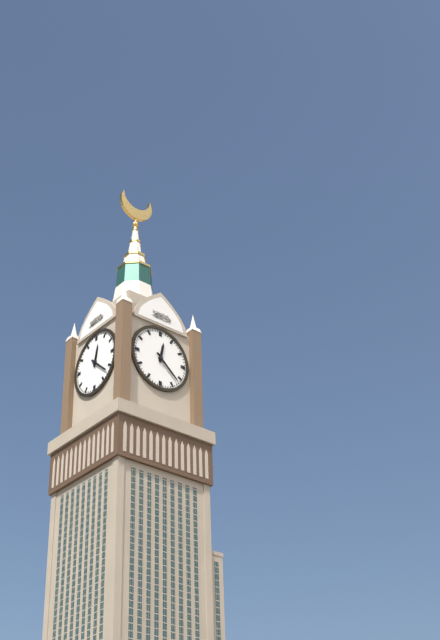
12:22
